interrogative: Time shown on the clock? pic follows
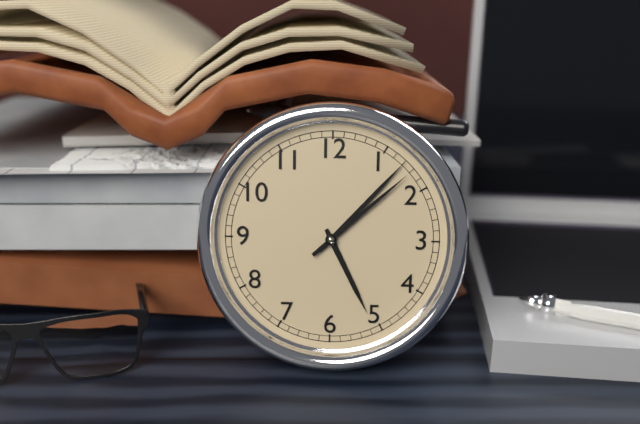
5:07:08
